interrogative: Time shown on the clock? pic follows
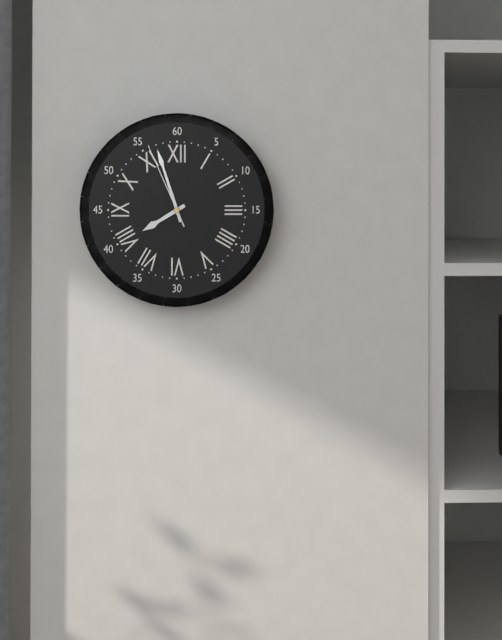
7:57:56
